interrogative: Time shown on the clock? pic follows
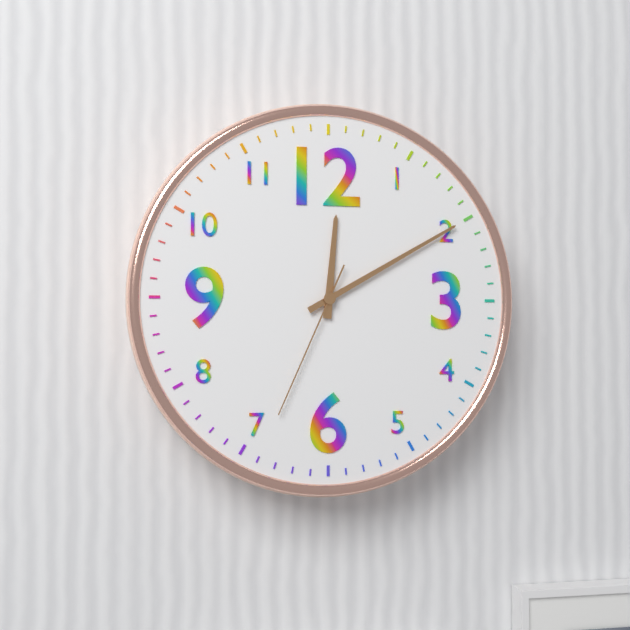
12:10:34
